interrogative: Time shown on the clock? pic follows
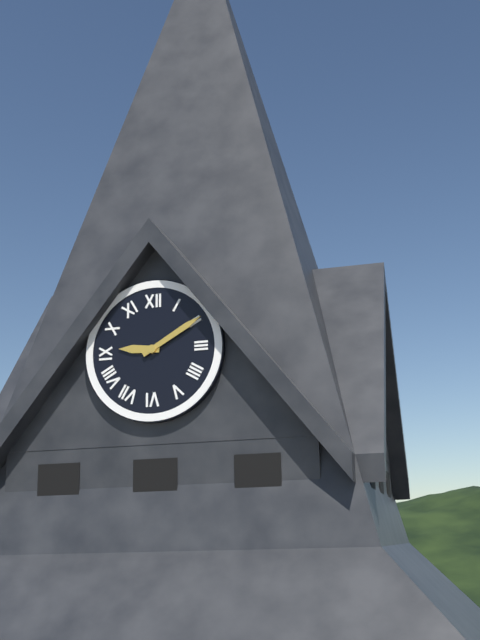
9:10
